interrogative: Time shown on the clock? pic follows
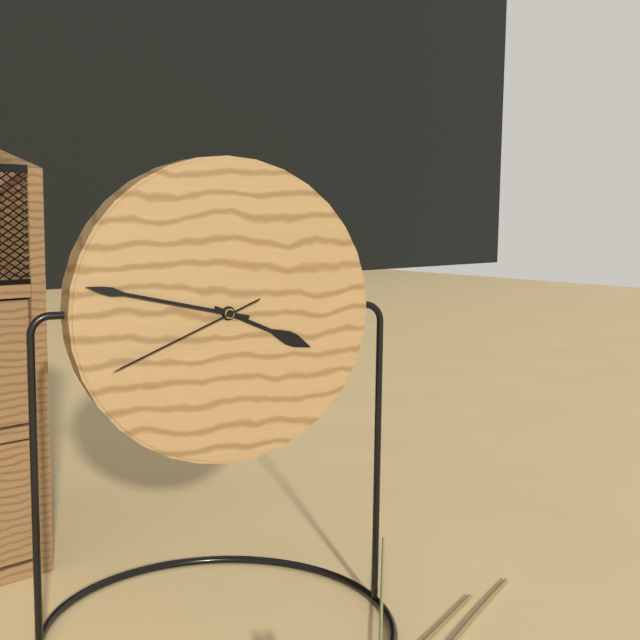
3:47:41
